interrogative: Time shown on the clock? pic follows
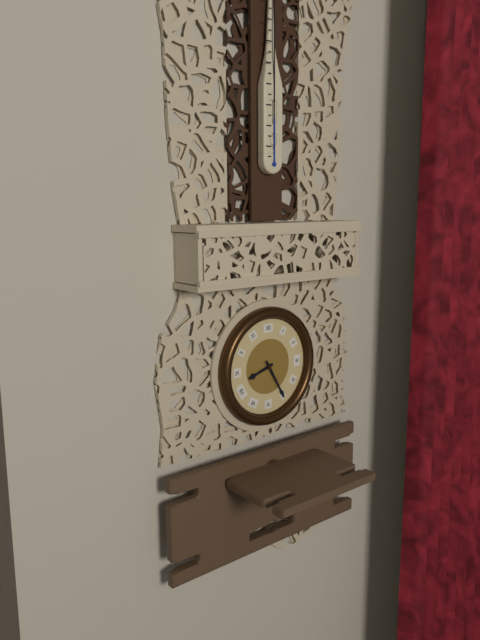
8:25
